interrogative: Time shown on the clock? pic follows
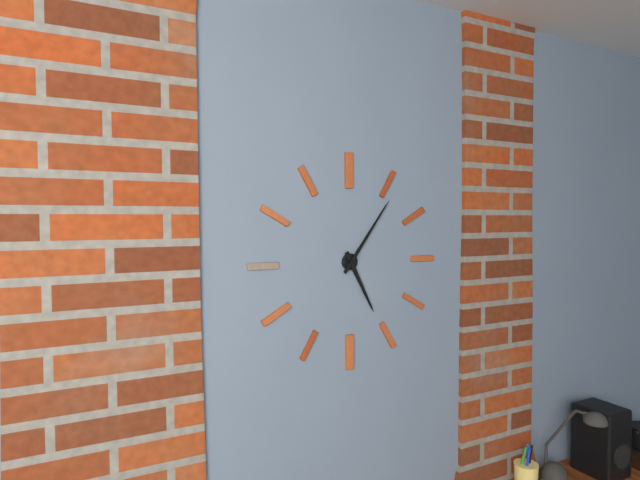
5:06
